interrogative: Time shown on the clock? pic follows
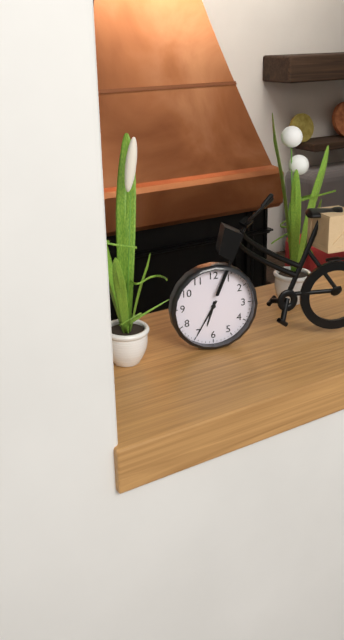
6:35
